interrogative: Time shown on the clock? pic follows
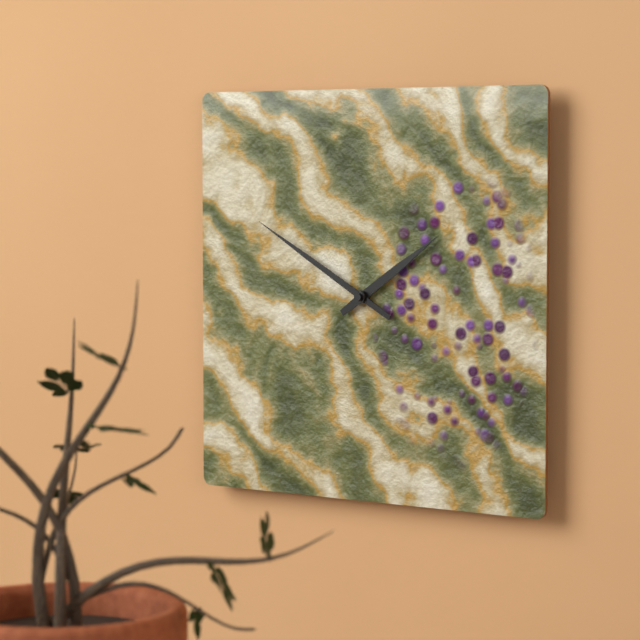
1:50
